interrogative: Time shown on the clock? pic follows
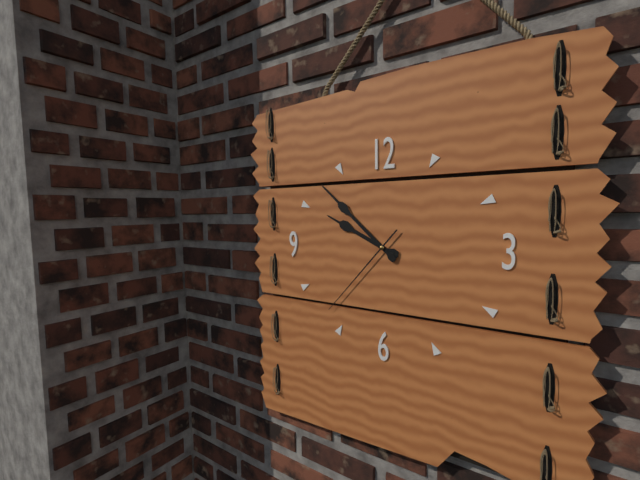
9:52:37
